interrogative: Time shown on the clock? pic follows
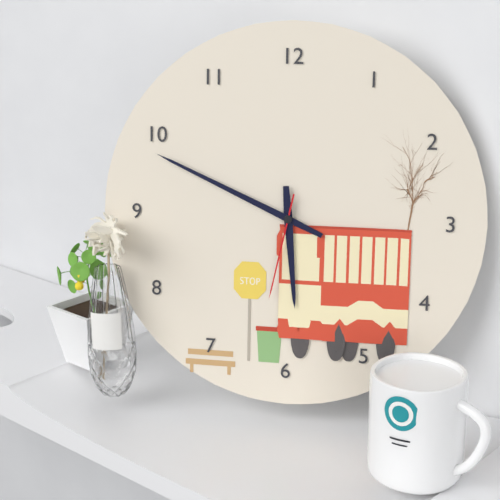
5:49:32
